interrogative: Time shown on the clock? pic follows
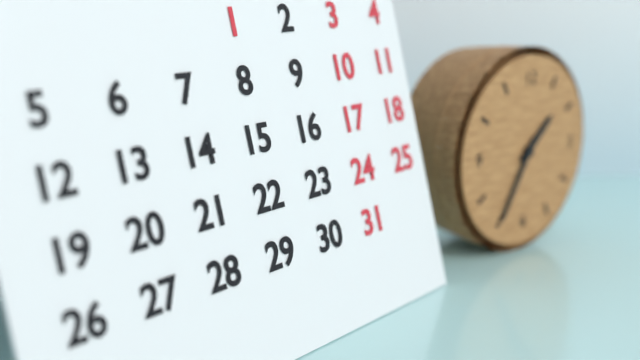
1:35
